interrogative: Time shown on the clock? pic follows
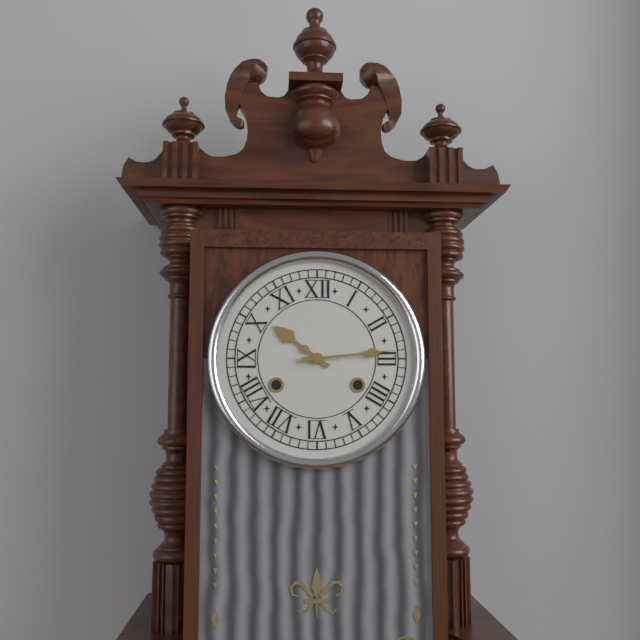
10:14
